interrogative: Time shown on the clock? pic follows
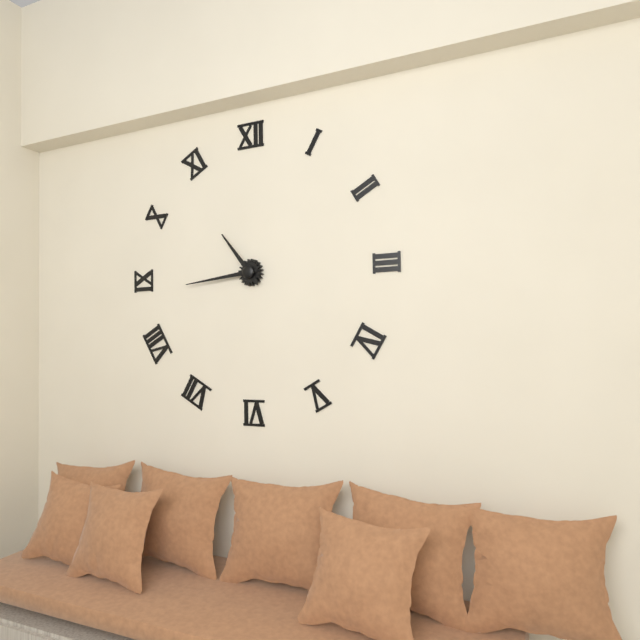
10:44
